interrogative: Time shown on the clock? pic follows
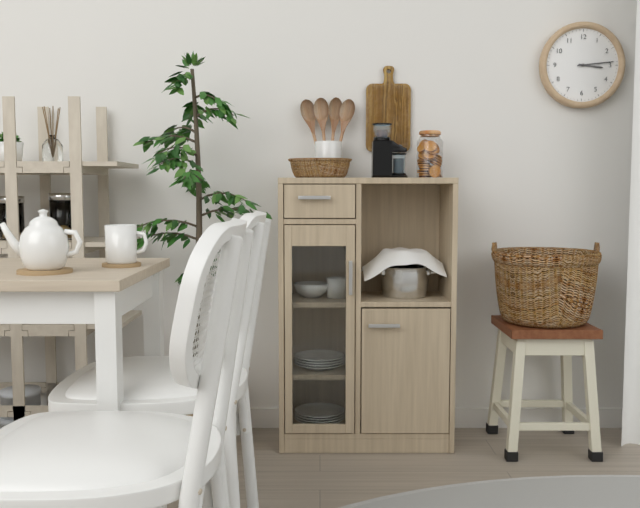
3:14
